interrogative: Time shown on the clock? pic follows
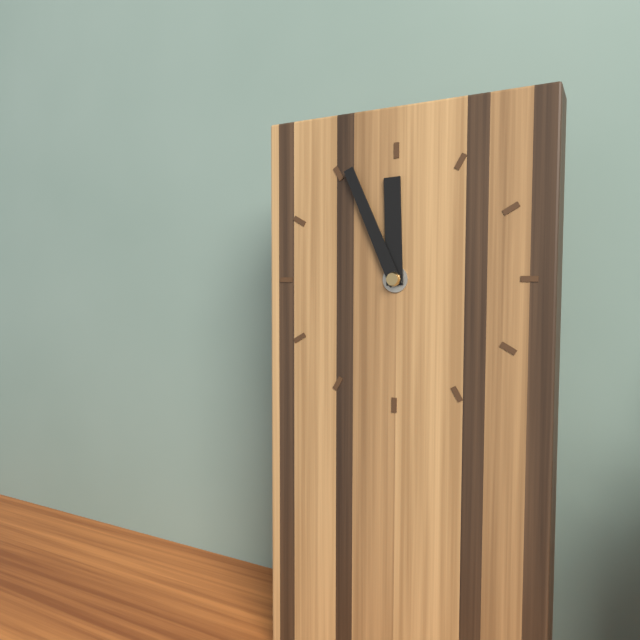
11:56
